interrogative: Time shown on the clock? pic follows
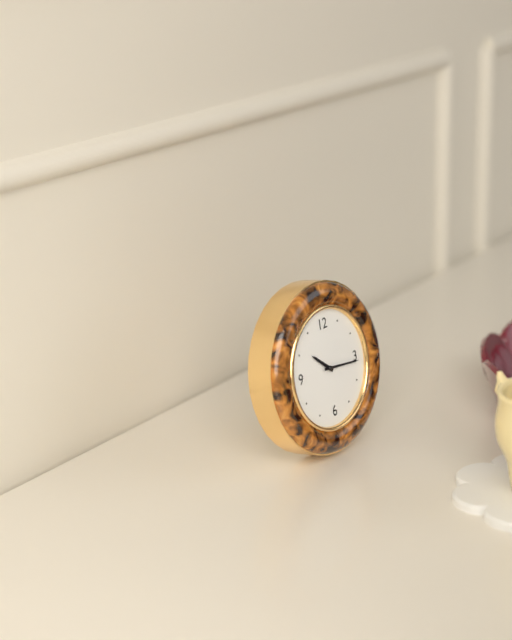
10:16
